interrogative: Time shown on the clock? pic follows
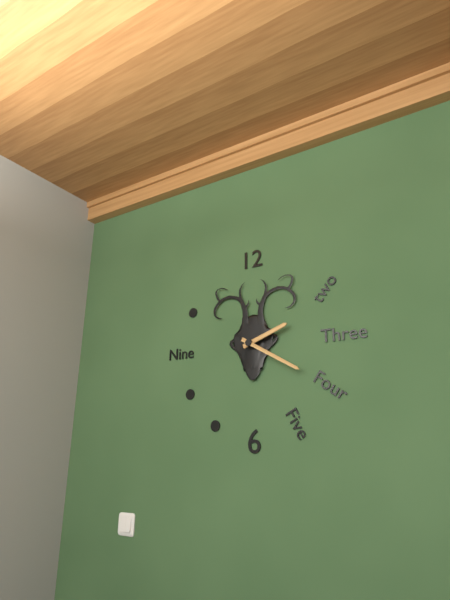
2:20
